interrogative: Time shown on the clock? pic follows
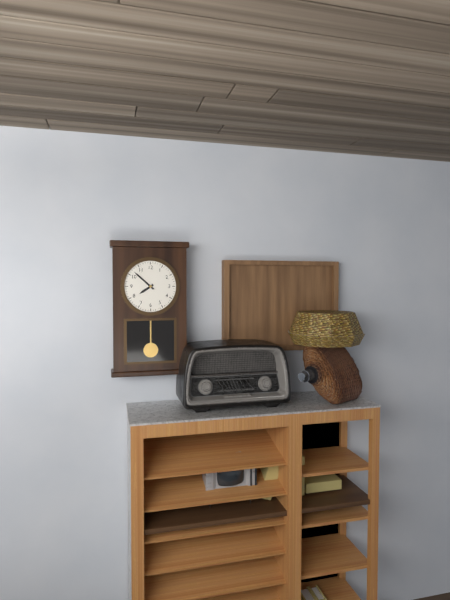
7:52
